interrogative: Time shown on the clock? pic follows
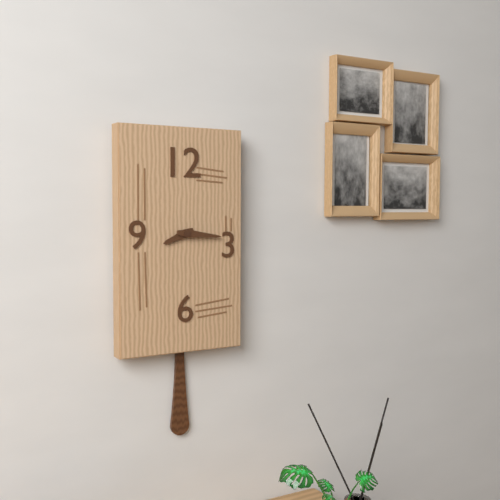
8:16
